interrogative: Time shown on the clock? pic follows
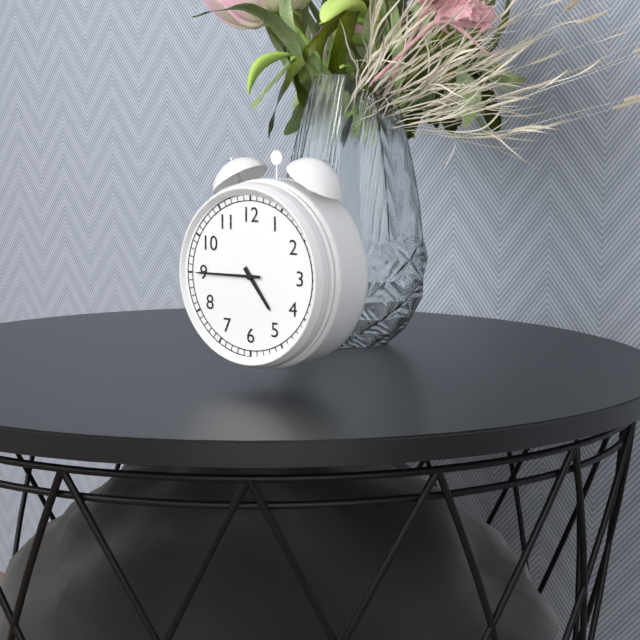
4:45
